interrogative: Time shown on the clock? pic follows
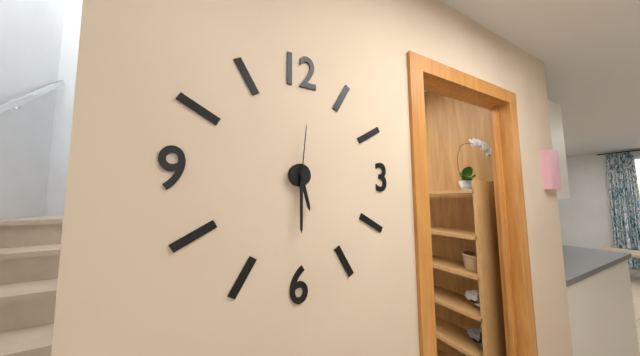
5:30:01
